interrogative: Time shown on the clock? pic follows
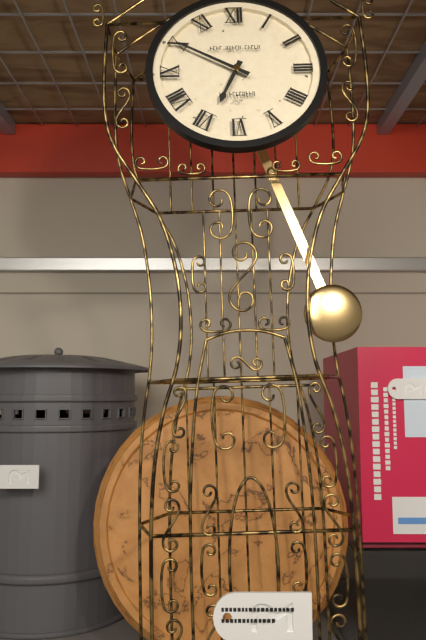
6:50
